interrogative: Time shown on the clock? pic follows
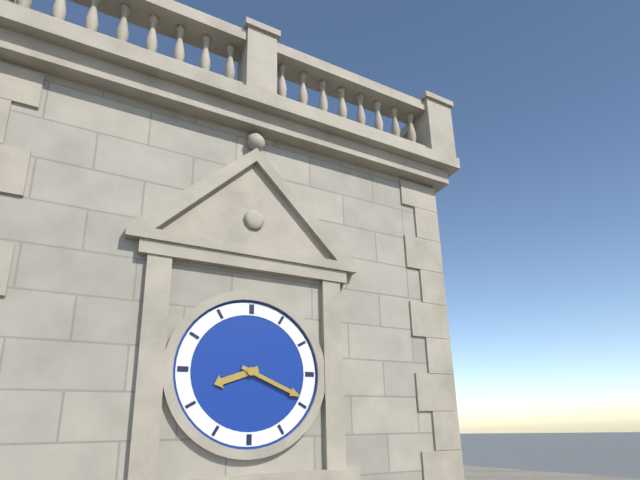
8:19
